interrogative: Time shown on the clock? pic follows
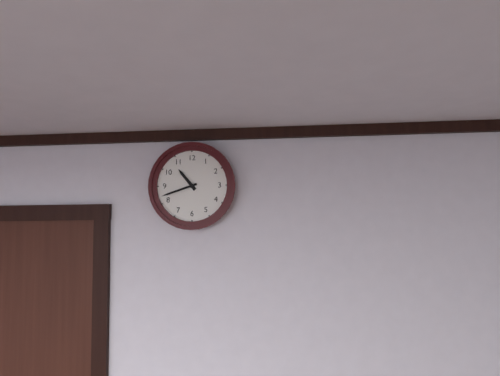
10:42
